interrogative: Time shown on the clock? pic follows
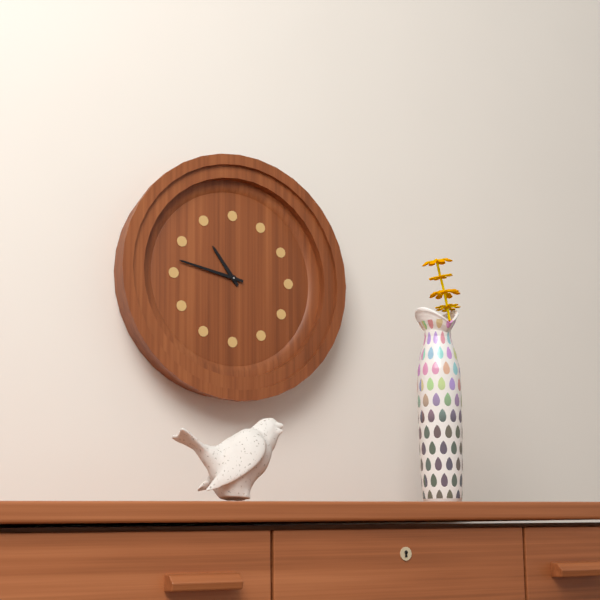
10:47
